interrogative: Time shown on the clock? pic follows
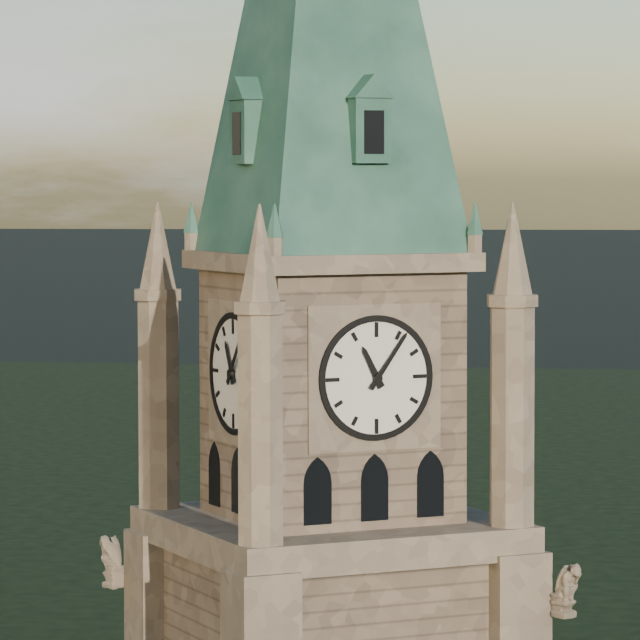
11:06
